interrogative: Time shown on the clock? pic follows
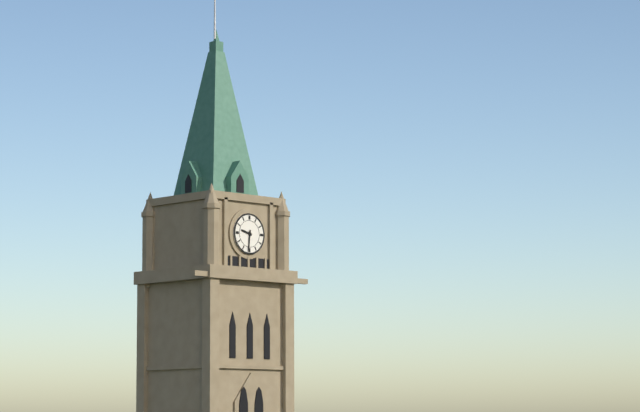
9:31
